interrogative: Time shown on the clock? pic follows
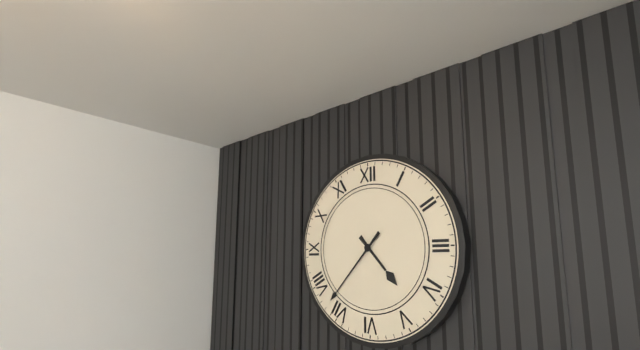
4:37
